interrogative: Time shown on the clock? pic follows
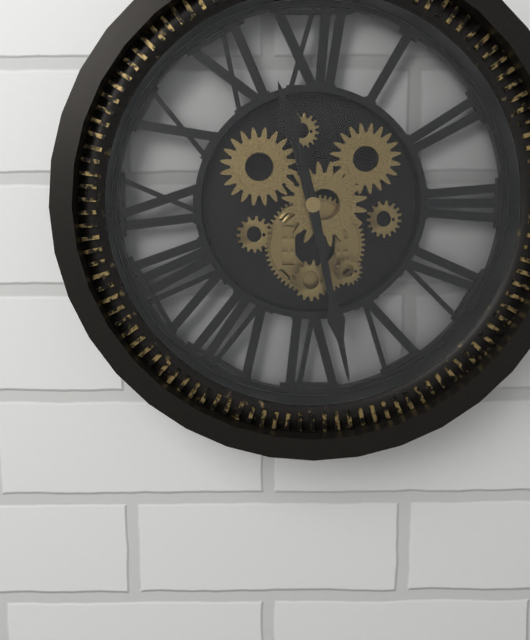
11:28
